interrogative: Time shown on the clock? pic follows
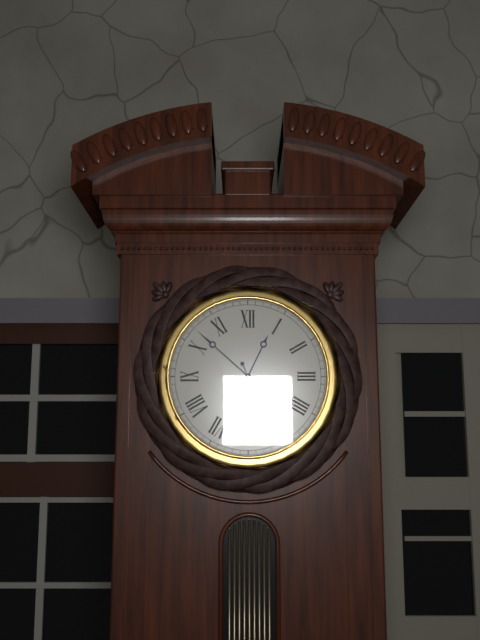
12:52:26
